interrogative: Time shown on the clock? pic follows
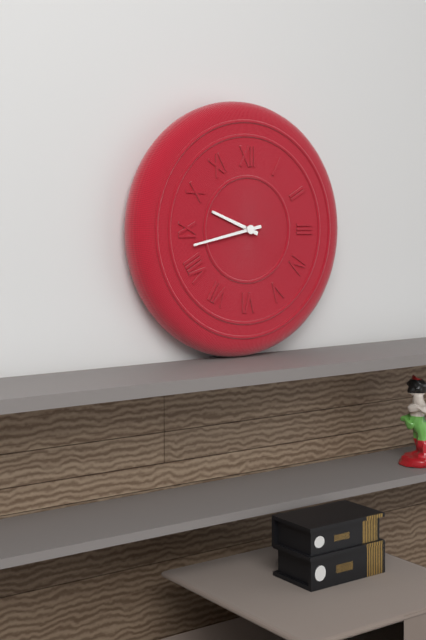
9:43
